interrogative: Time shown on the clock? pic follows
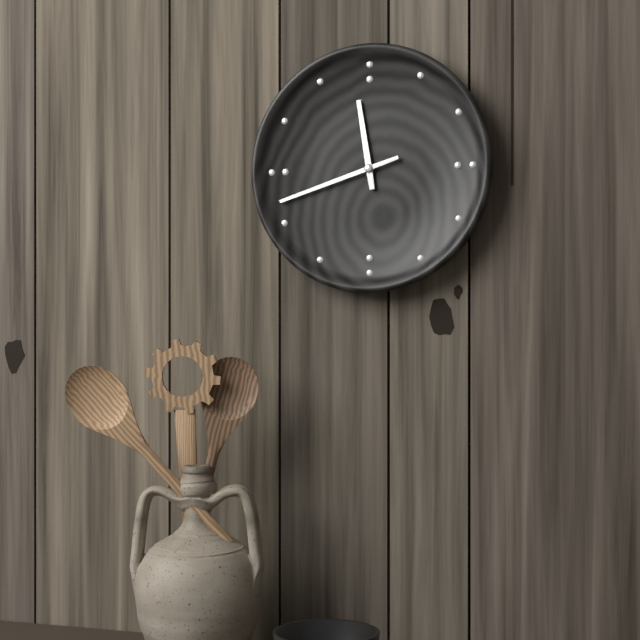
11:42
